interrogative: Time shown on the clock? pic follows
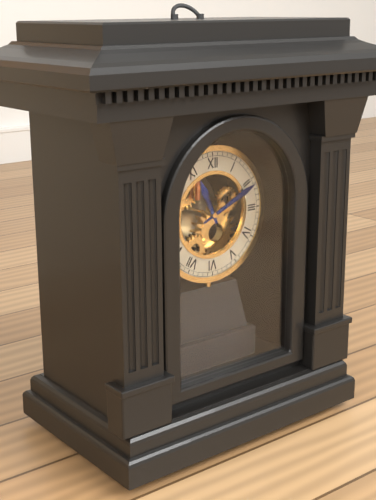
11:11
